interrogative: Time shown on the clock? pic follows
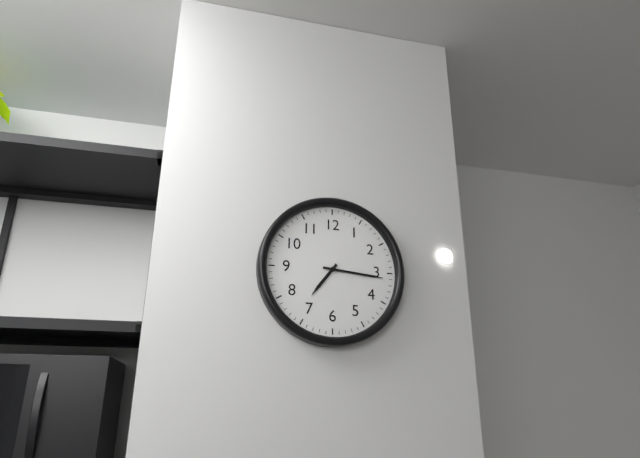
7:16
